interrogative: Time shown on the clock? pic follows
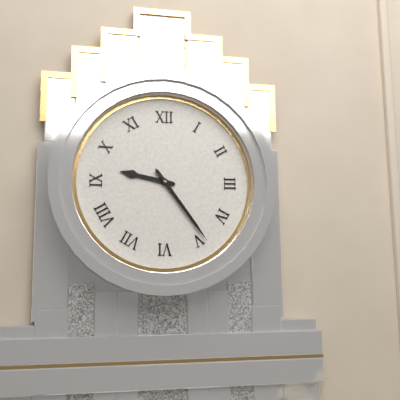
9:24
